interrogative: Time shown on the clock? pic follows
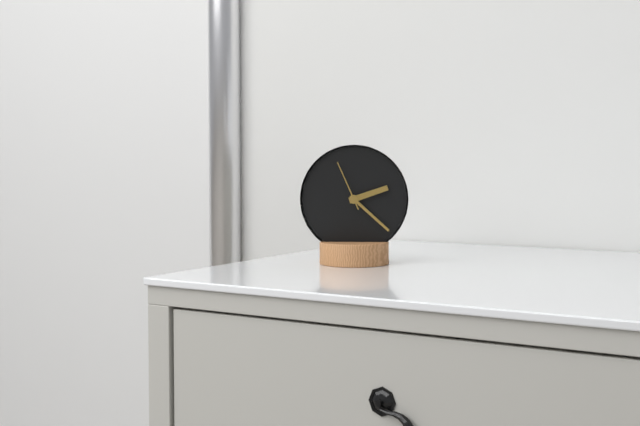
2:22:56
